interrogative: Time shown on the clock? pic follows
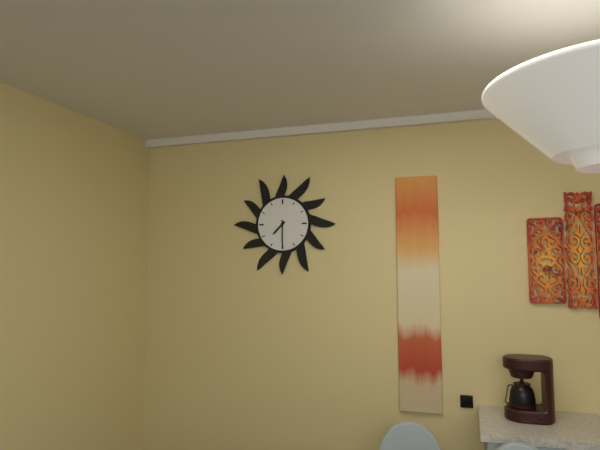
7:30
